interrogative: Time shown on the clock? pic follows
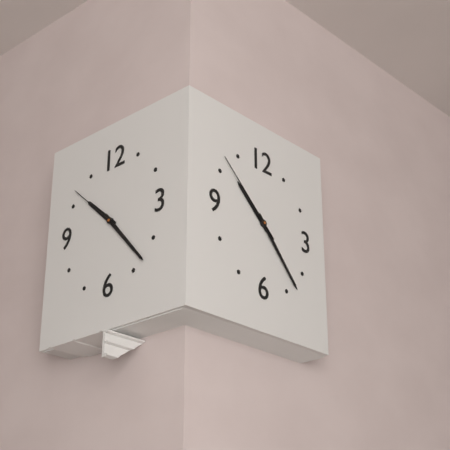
10:23:52
